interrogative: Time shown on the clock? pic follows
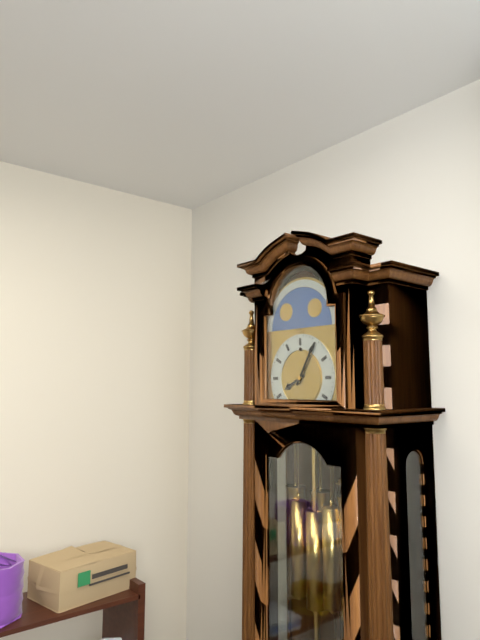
8:05
